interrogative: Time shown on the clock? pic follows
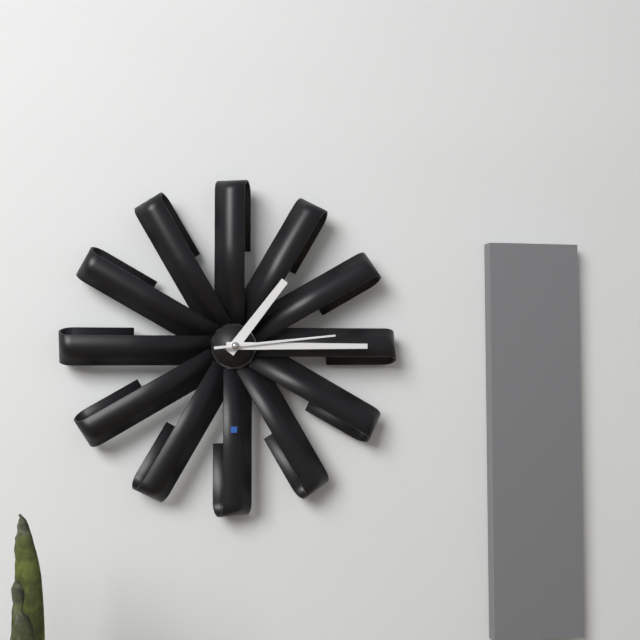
1:15:14
